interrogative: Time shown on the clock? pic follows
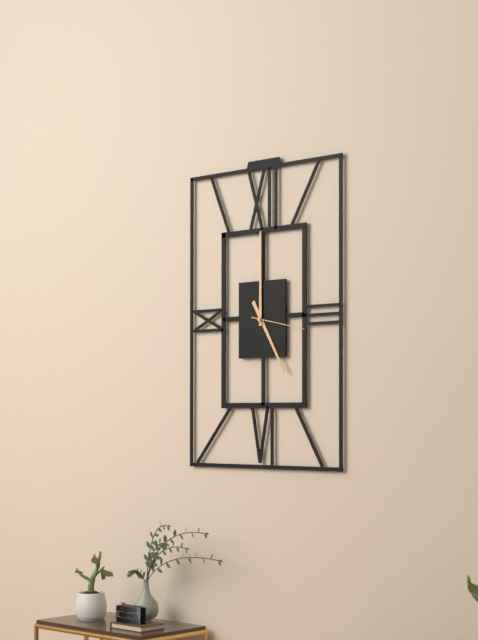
5:00:17
